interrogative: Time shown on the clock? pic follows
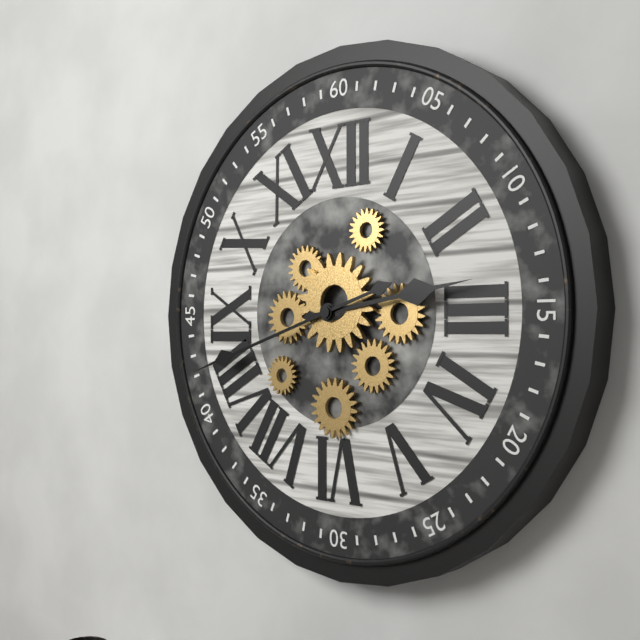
2:42
